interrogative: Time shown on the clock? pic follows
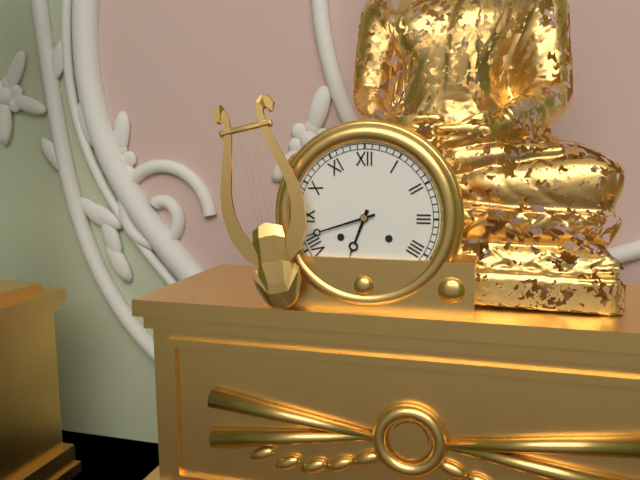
6:42
